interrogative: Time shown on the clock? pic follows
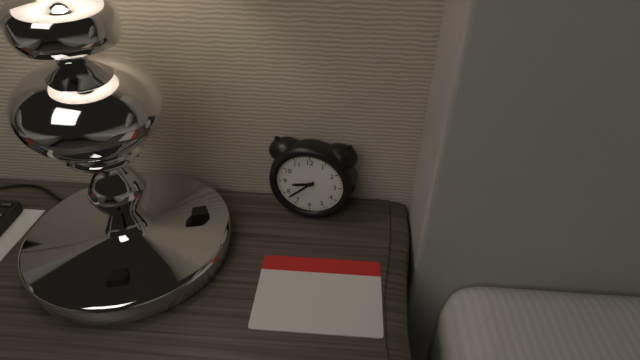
8:38
